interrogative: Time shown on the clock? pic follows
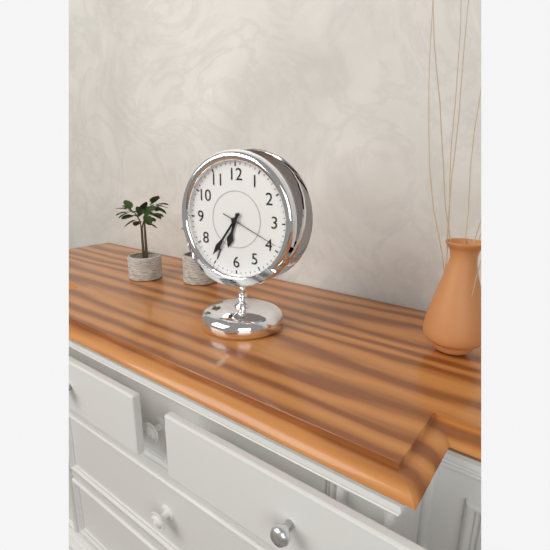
6:36:19
